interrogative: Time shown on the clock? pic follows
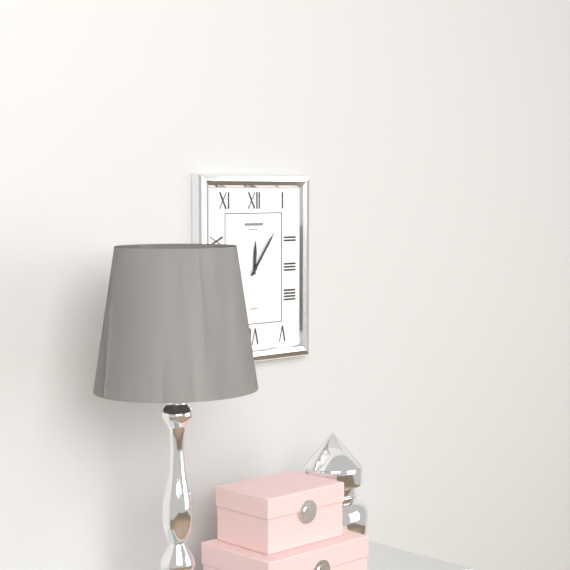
12:06
